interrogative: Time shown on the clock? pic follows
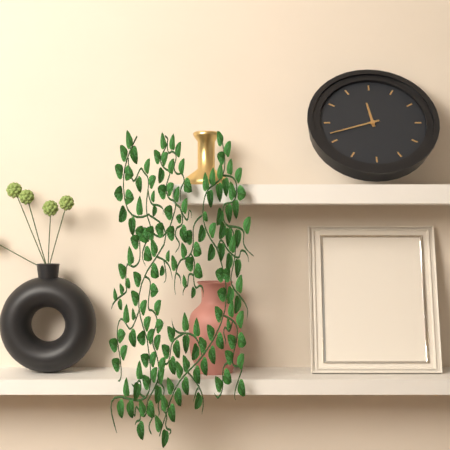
11:42
